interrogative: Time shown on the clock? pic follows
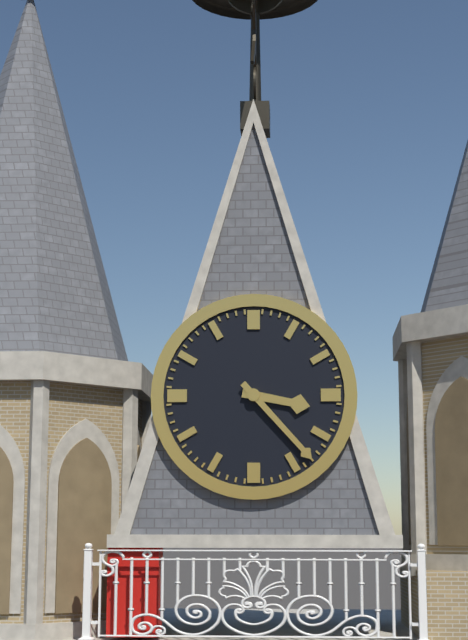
3:23
